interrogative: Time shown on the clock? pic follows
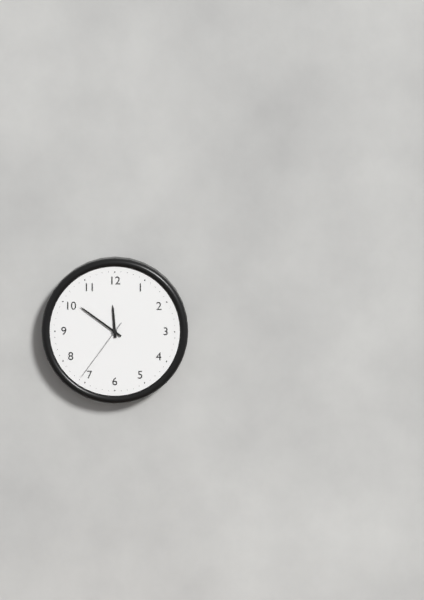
11:51:36
